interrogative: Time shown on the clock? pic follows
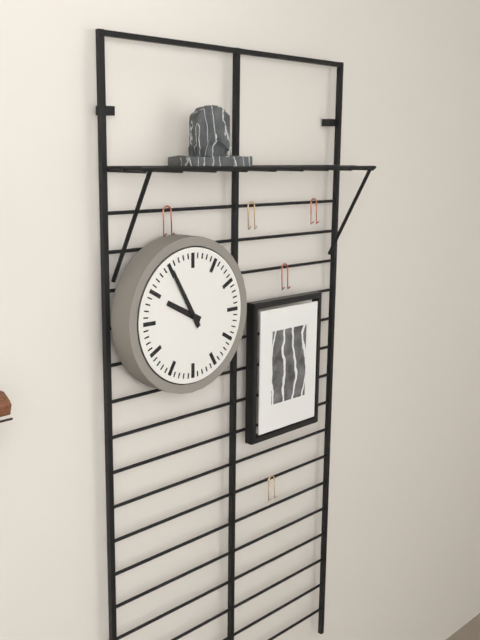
9:55
